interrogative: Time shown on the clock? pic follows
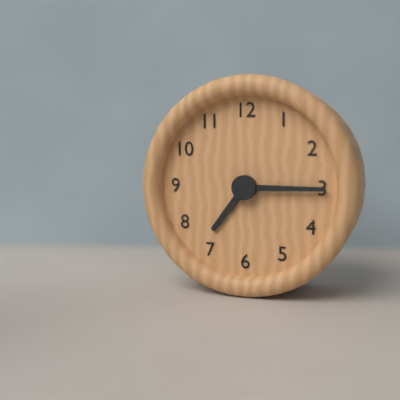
7:15
